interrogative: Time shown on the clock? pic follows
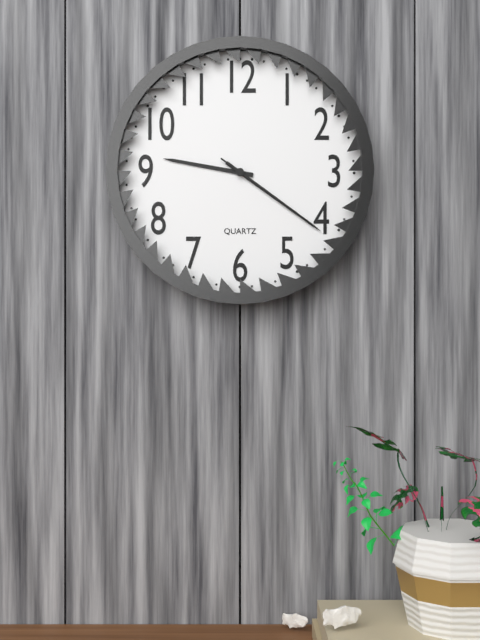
9:21:21
